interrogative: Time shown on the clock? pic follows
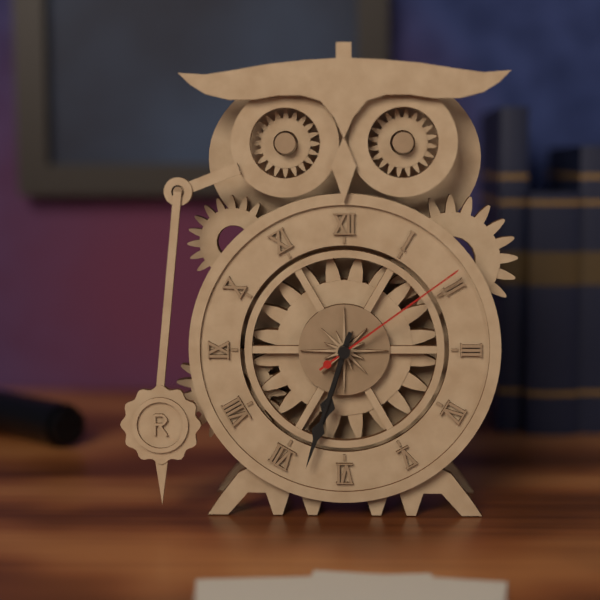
6:33:09
